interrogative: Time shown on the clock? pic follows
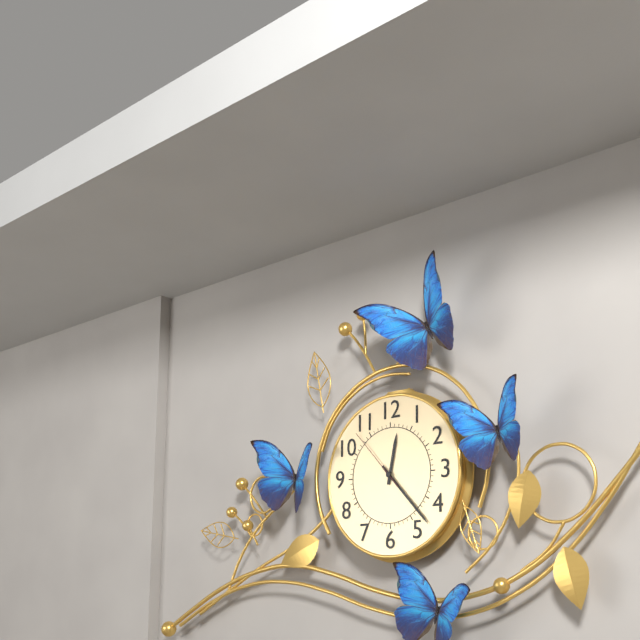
12:23:53
